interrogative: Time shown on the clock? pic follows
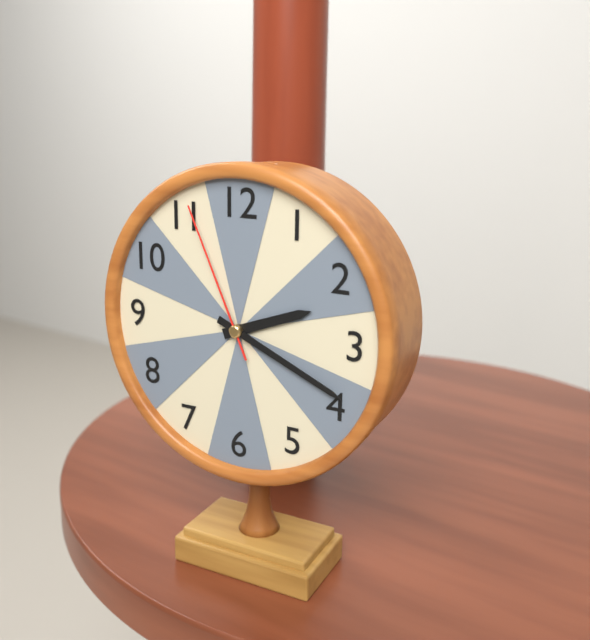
2:19:56
